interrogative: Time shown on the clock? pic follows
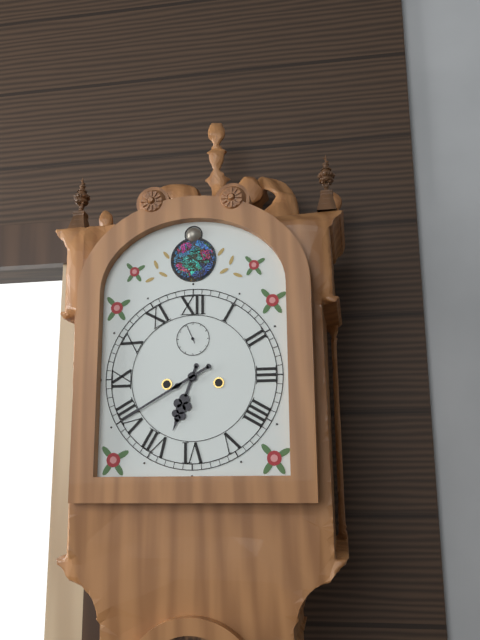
6:40
